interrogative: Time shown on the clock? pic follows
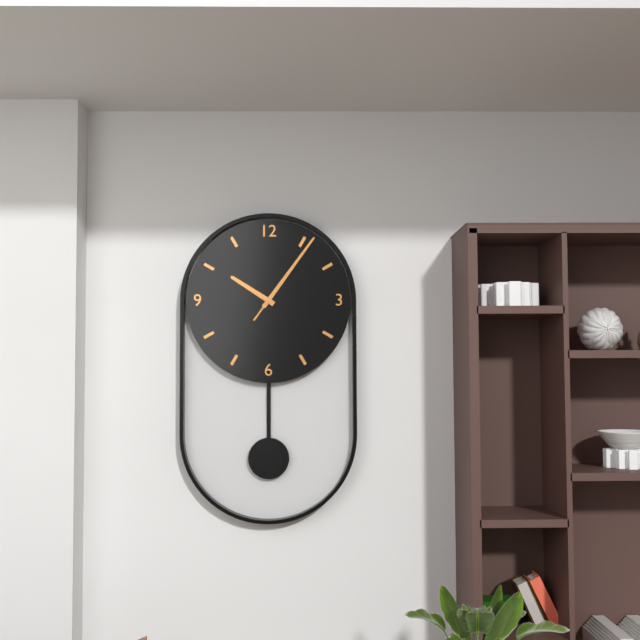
10:06:06
